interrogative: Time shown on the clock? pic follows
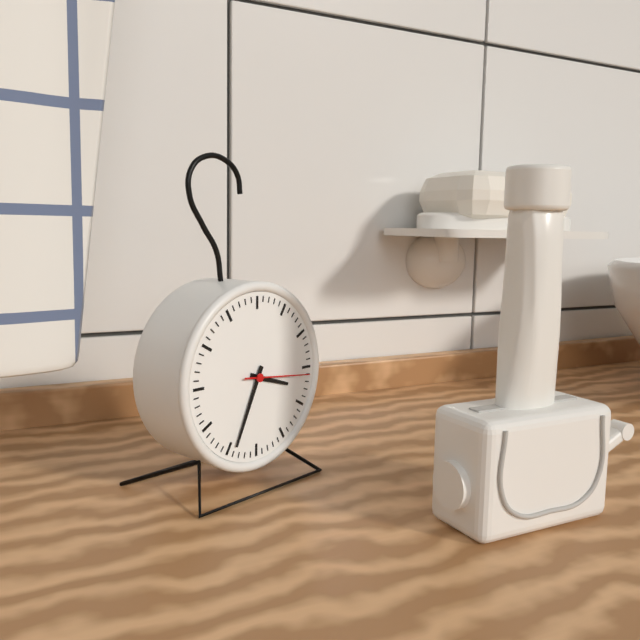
3:34:16
